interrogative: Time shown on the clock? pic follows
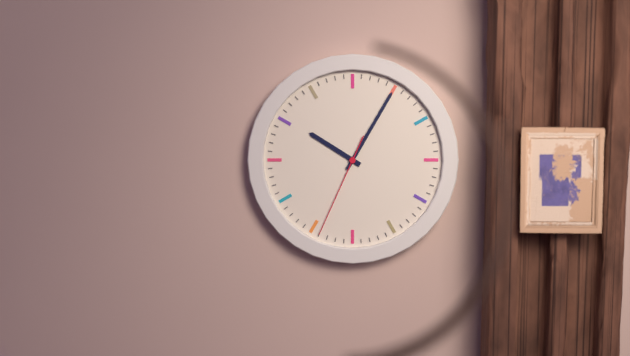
10:05:34
